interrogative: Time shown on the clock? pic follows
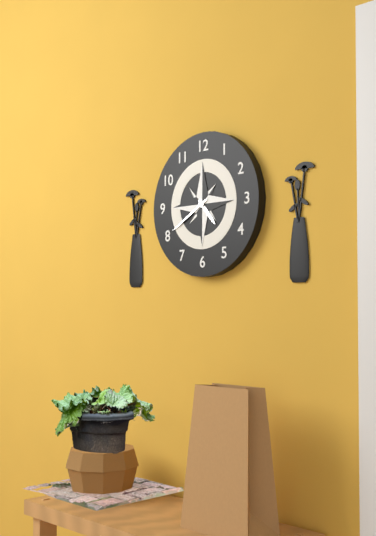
4:40
